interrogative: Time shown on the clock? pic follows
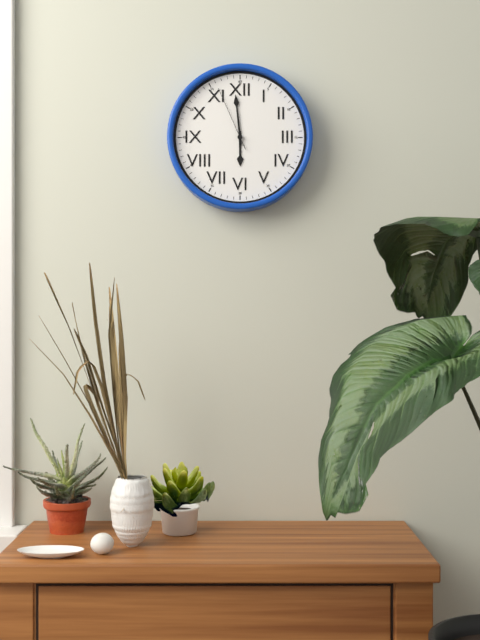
5:59:56
